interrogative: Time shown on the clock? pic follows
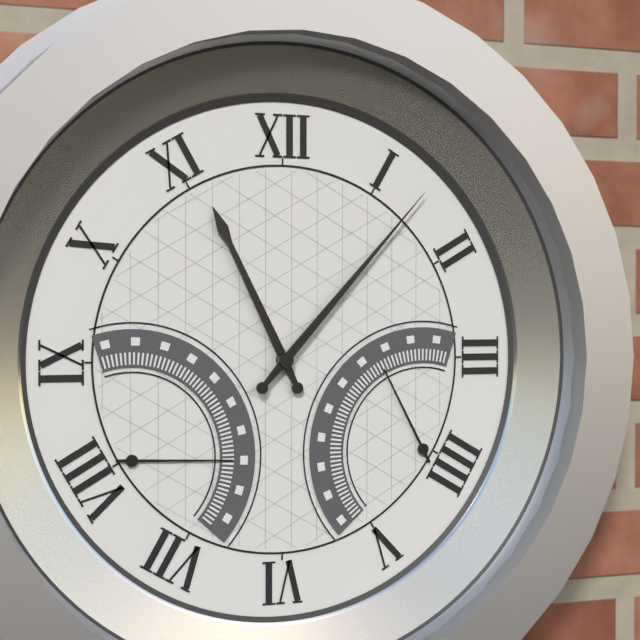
11:07
